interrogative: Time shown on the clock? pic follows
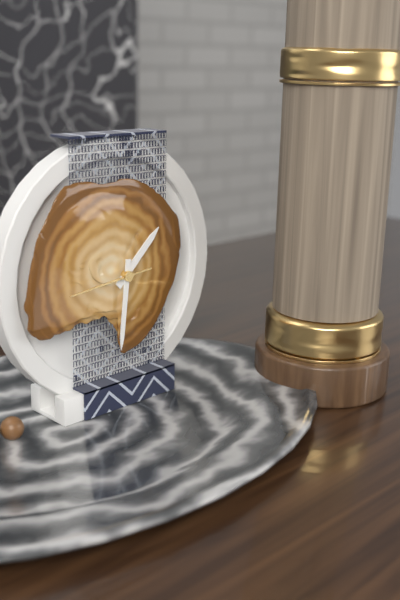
1:31:44
